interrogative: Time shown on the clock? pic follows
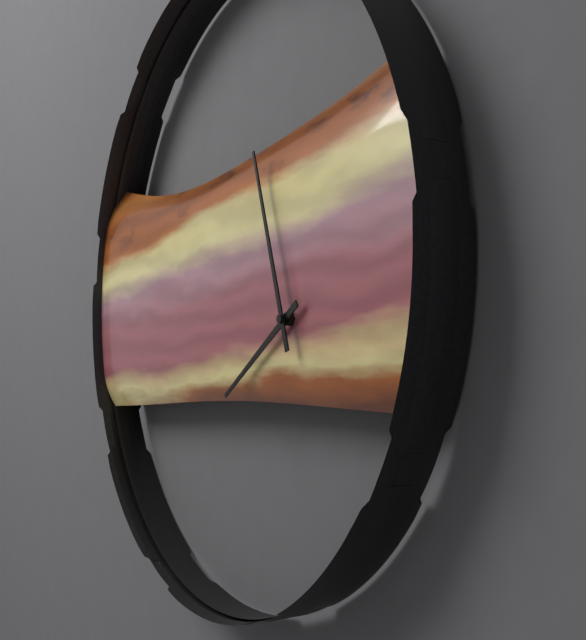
7:57
